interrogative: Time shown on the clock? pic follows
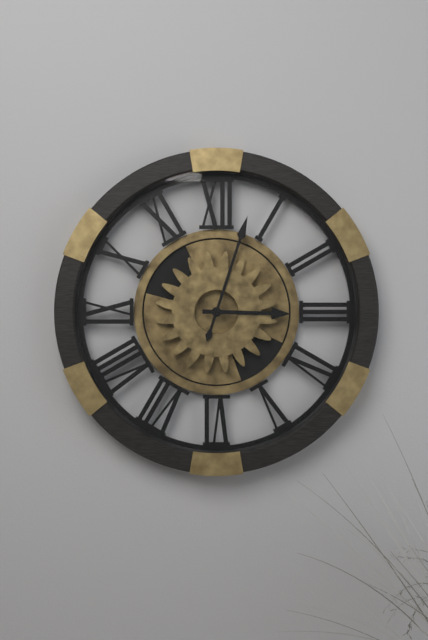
3:03
